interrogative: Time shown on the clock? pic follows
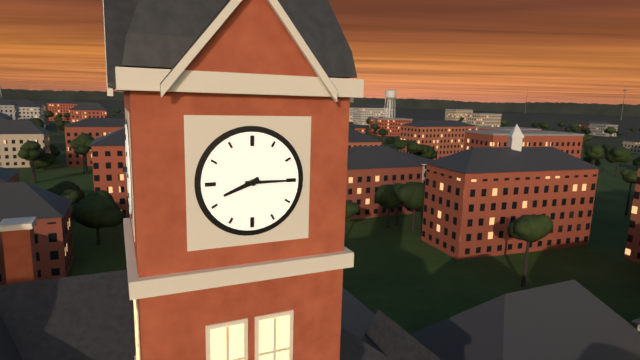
8:15
